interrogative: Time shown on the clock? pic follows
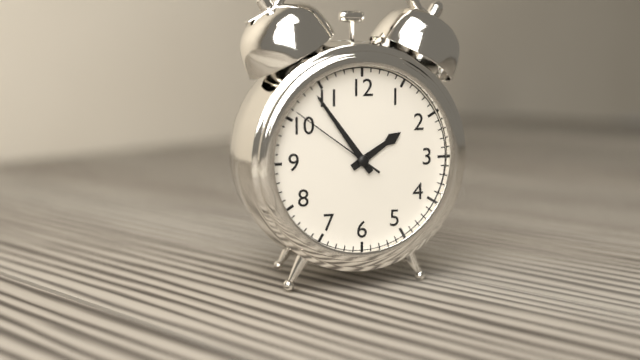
1:54:51
